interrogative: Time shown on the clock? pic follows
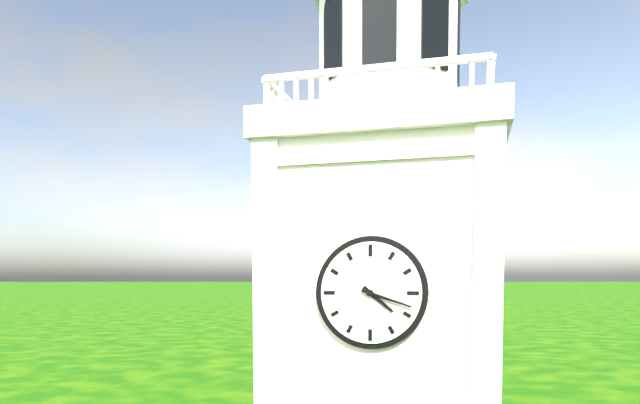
4:18
